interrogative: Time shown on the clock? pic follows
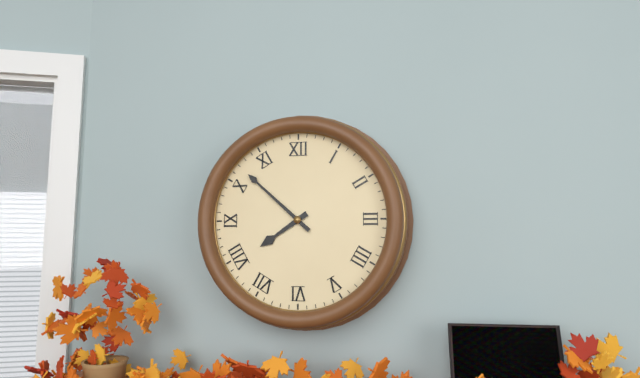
7:52
